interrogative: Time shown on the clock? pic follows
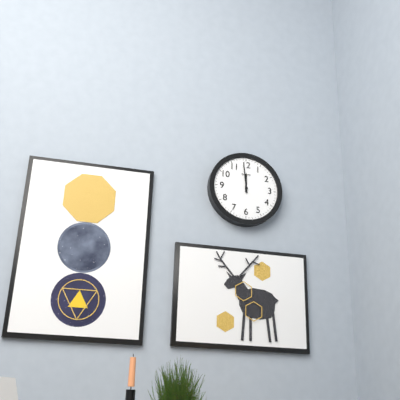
11:59
